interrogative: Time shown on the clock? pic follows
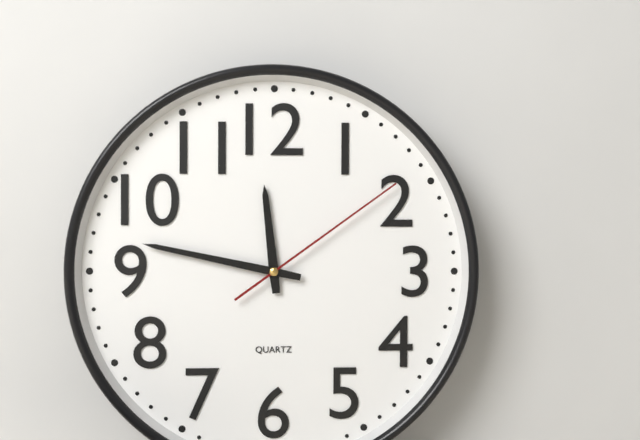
11:47:09
